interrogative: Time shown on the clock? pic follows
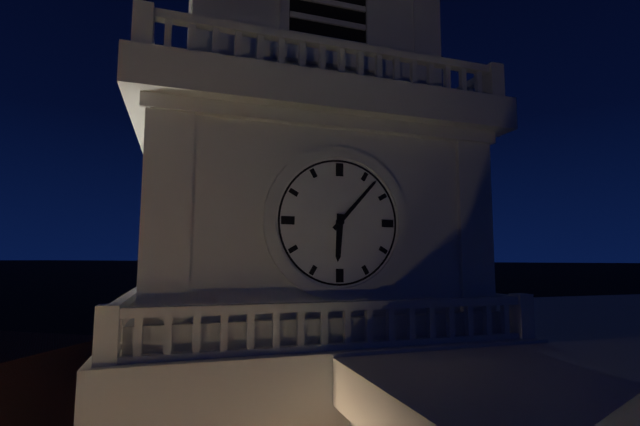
6:07
